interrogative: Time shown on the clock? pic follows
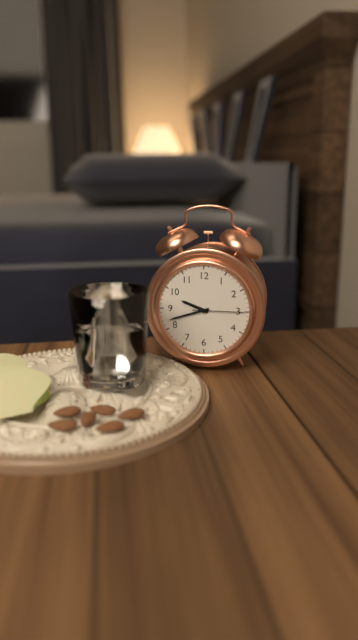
9:42:15
